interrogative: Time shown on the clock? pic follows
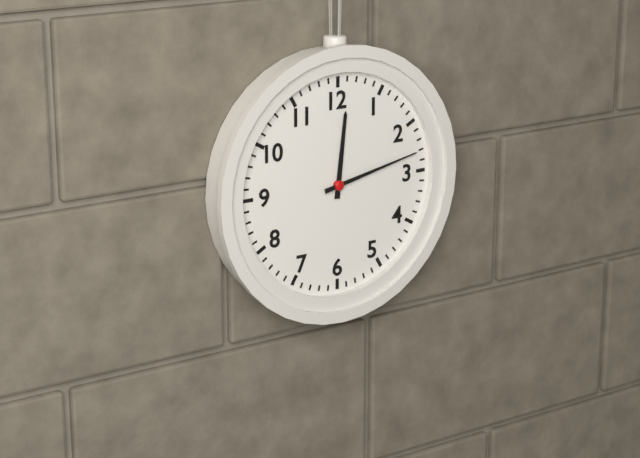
12:13
